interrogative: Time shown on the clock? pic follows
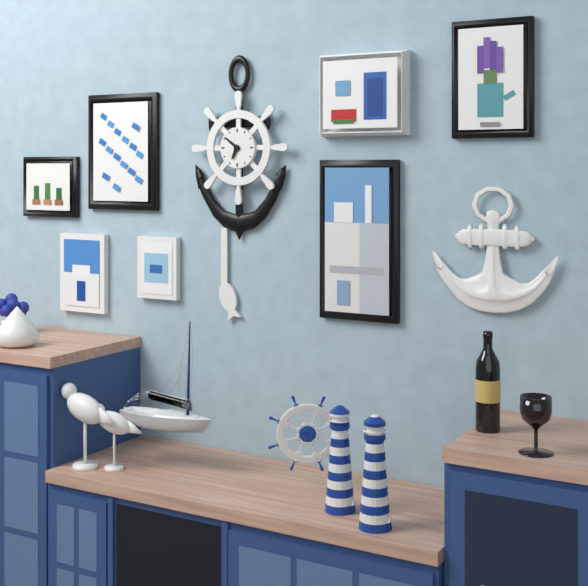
6:51
